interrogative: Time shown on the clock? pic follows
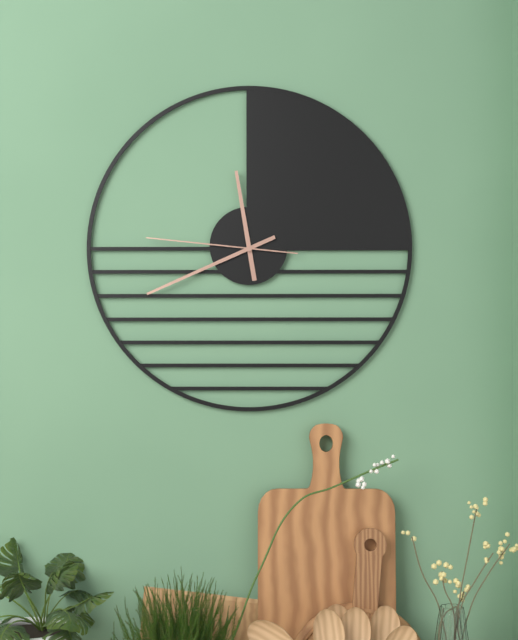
11:41:46
